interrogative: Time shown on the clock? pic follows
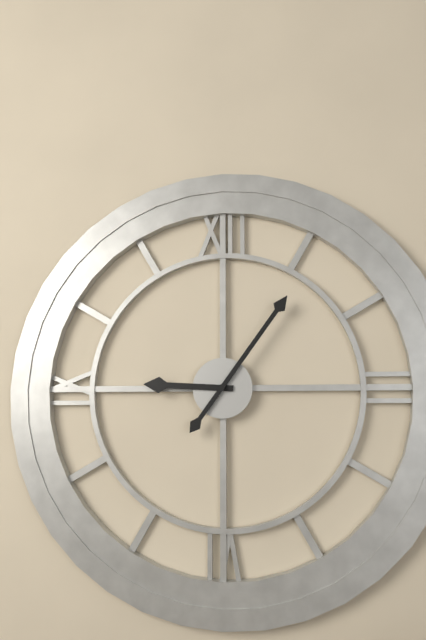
9:06
